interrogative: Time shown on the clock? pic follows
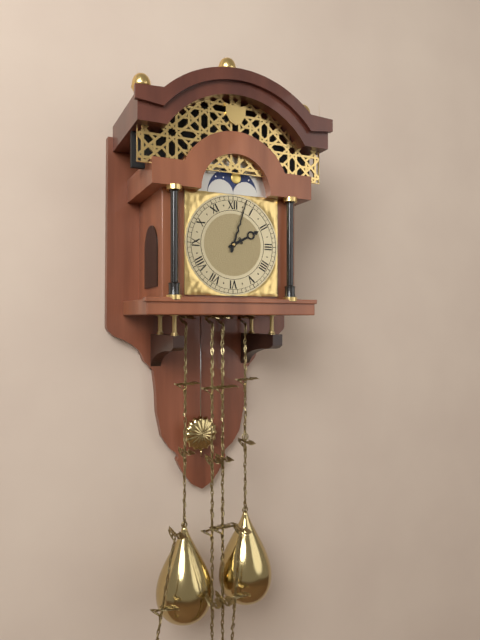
2:03
